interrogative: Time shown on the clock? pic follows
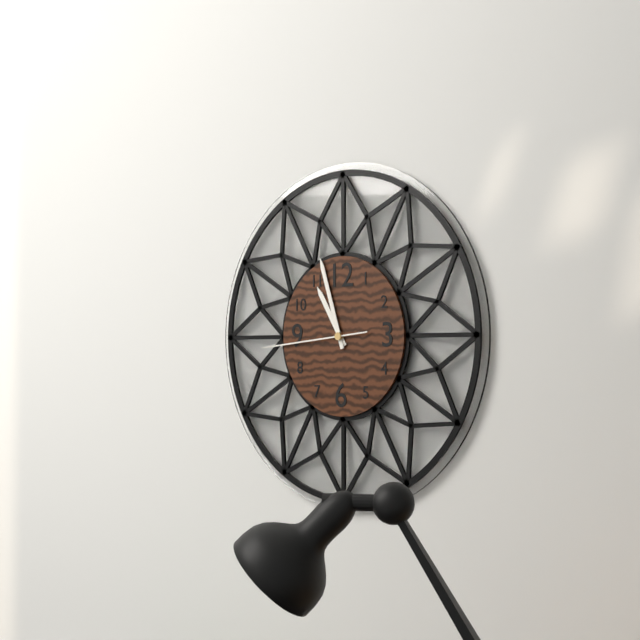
10:57:44
